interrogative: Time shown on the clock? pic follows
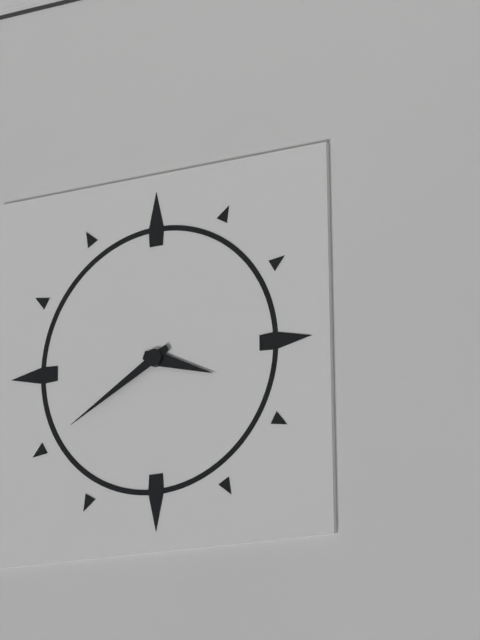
3:40
